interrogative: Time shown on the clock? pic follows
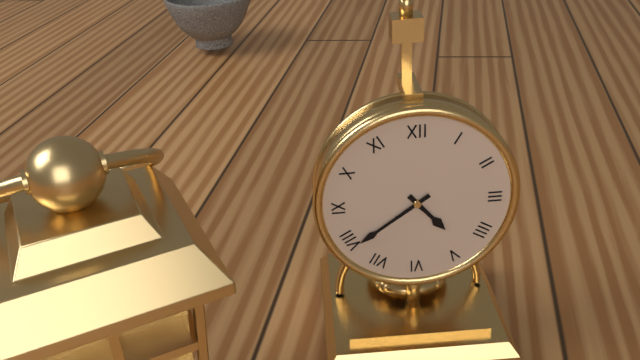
4:39
